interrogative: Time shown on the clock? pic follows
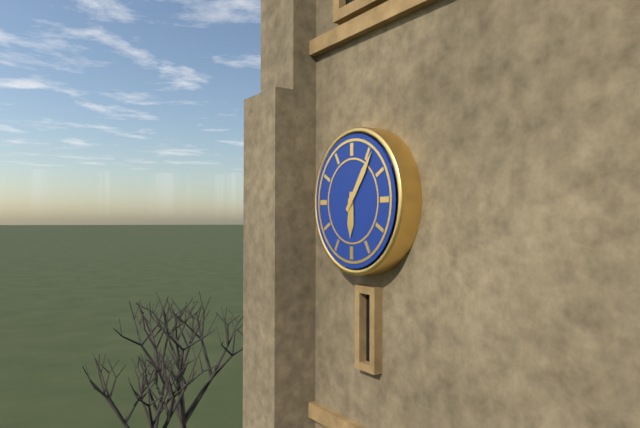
6:06
